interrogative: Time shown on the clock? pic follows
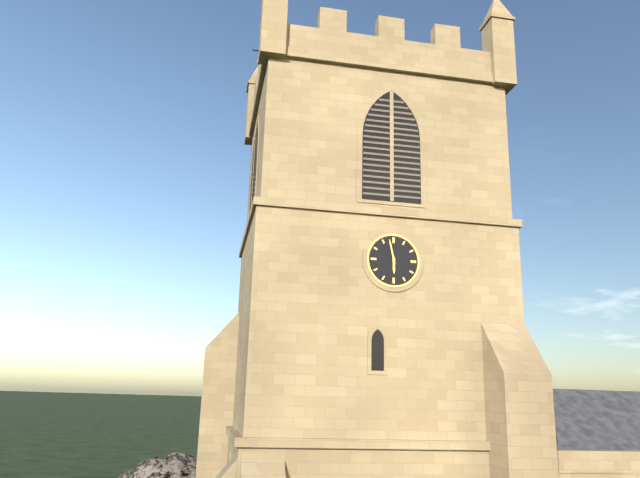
5:58
